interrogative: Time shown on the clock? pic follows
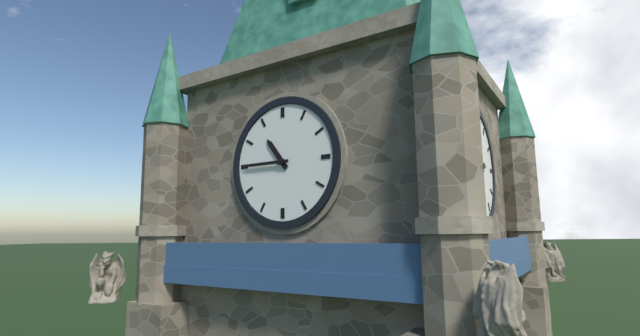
10:45
